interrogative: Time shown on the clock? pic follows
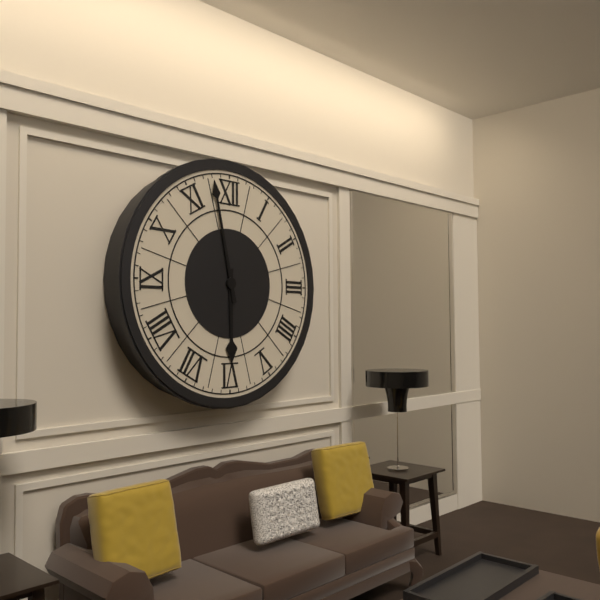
5:58
